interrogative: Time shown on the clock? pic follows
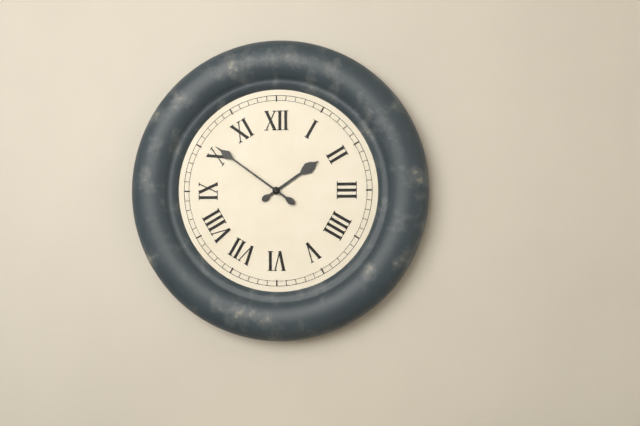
1:51
